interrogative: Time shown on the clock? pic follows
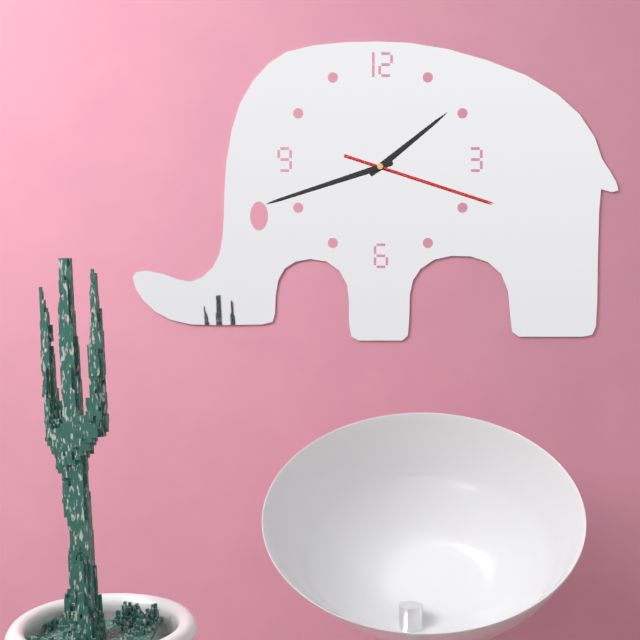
1:42:18
